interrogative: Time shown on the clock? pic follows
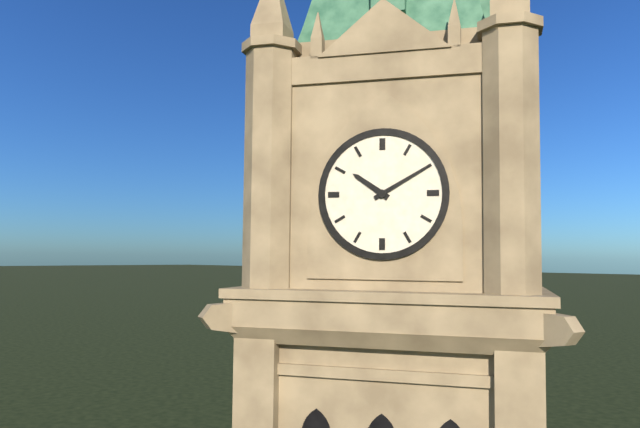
10:10
